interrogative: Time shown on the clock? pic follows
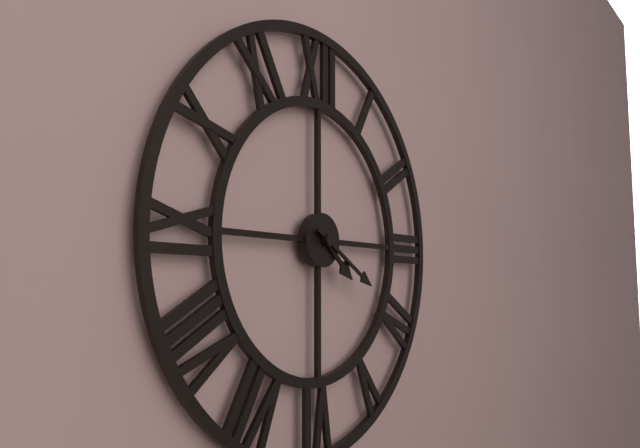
4:20
